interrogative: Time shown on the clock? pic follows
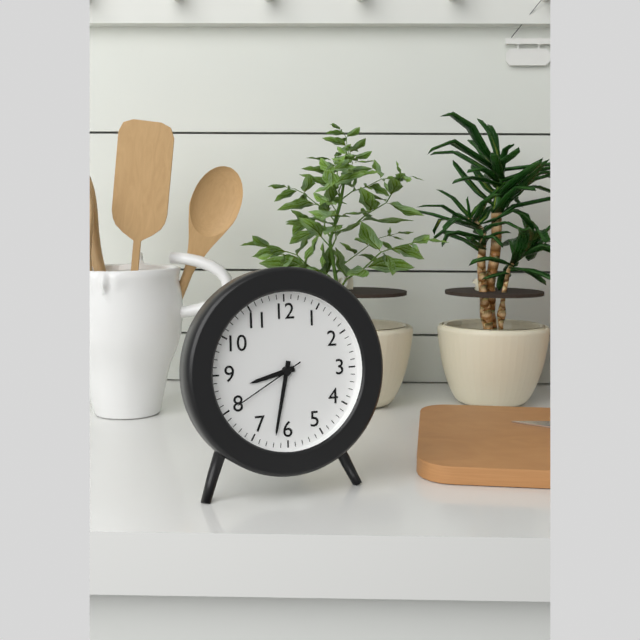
8:32:40
